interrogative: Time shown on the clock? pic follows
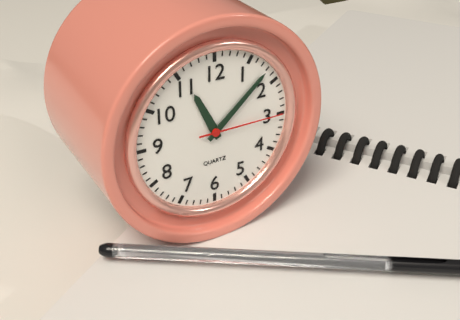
11:08:15
